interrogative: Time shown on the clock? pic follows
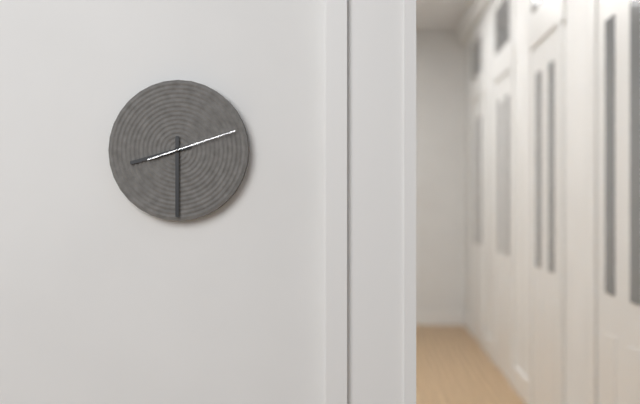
8:30:12
